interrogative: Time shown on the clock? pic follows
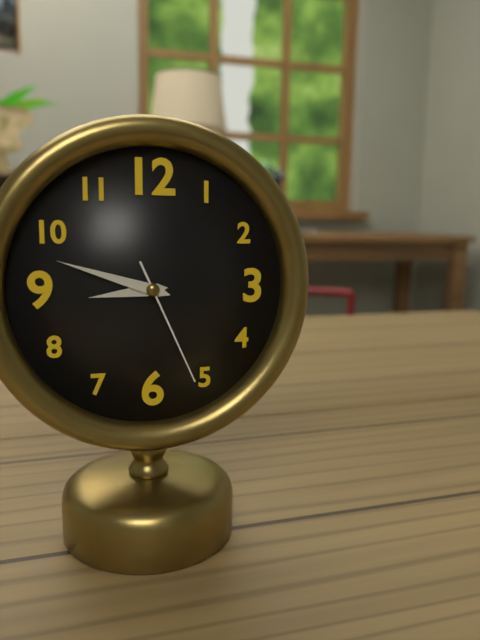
8:48:26
